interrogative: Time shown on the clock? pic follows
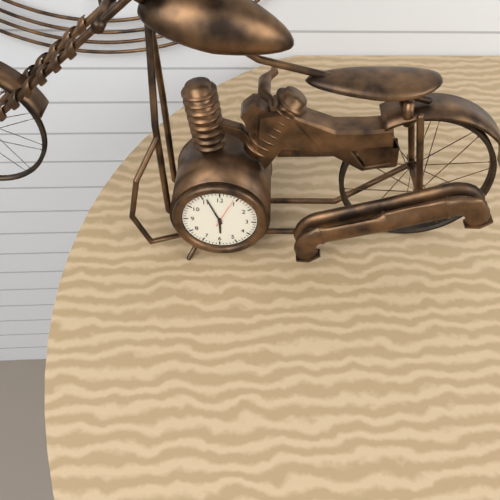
5:56
